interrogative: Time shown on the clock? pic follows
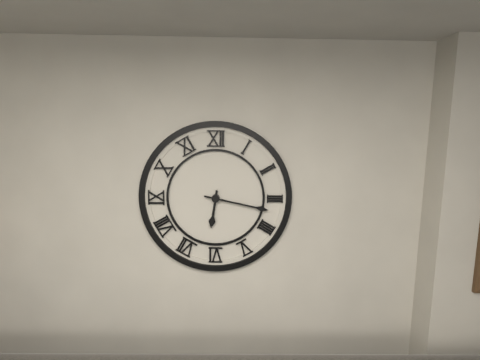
6:17
